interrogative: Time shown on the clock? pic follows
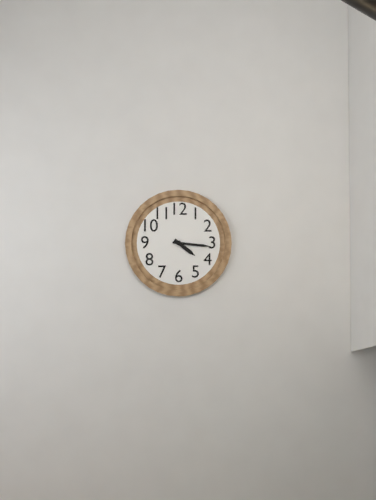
4:16
